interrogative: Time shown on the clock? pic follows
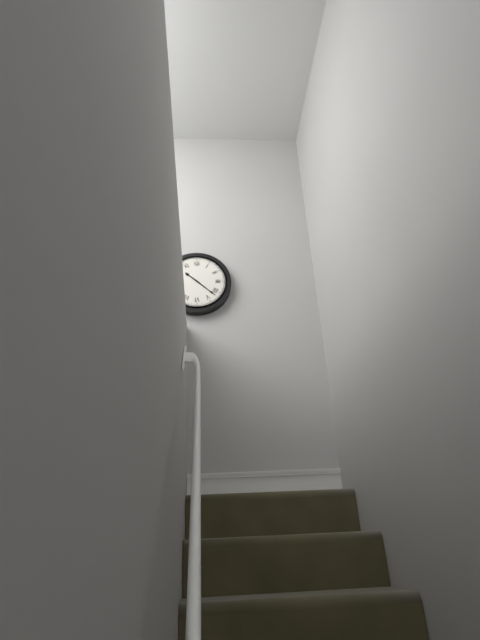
10:22
